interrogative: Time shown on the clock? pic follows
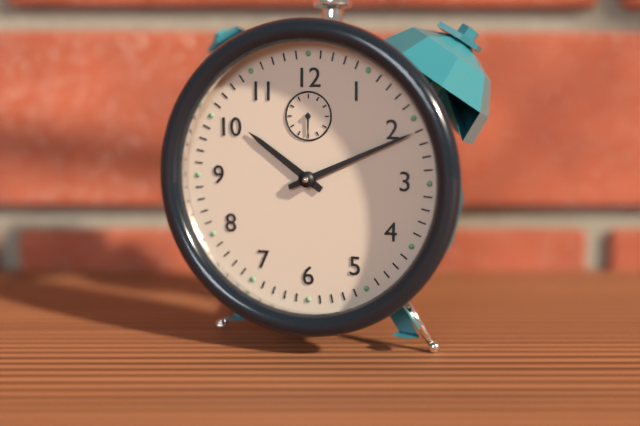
10:11
